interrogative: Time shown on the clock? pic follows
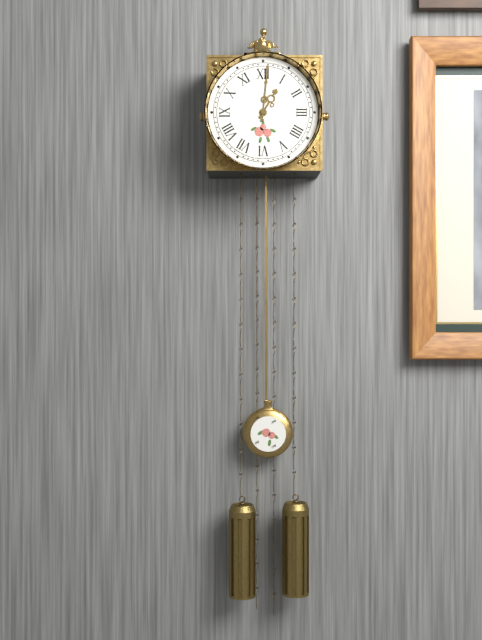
1:01
